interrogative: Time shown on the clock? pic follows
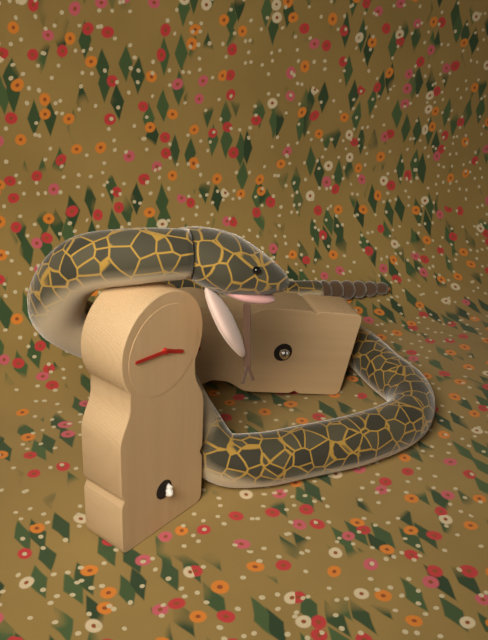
3:46
